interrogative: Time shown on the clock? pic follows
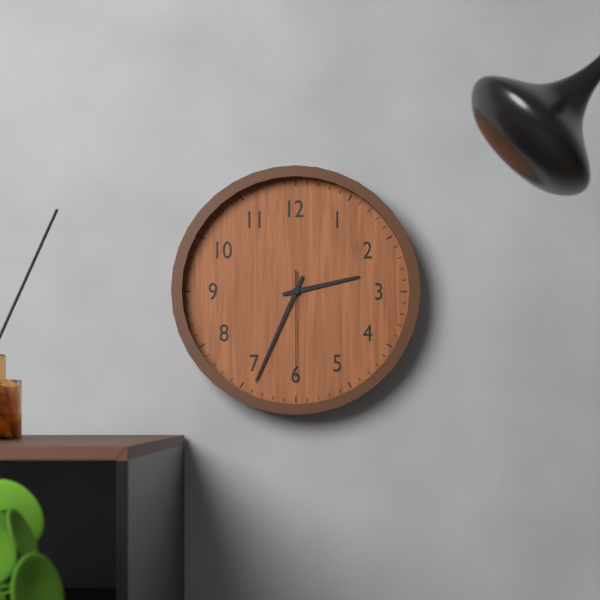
2:34:30
